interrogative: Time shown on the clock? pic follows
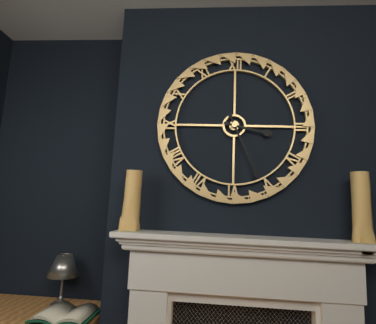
3:26
